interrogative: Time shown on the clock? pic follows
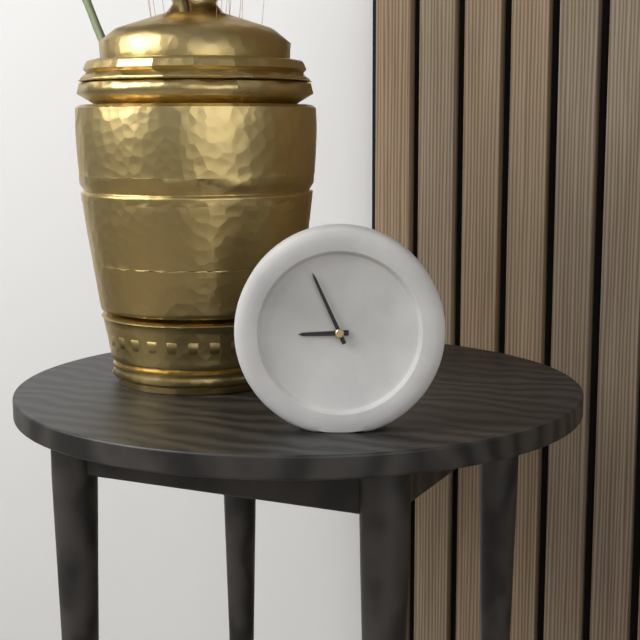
8:56
